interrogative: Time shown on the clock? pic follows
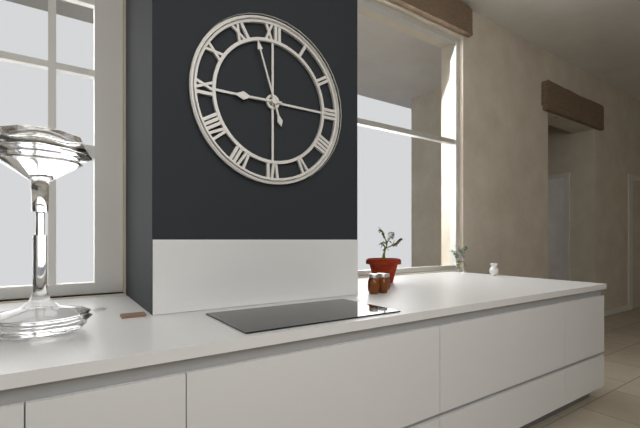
8:57
